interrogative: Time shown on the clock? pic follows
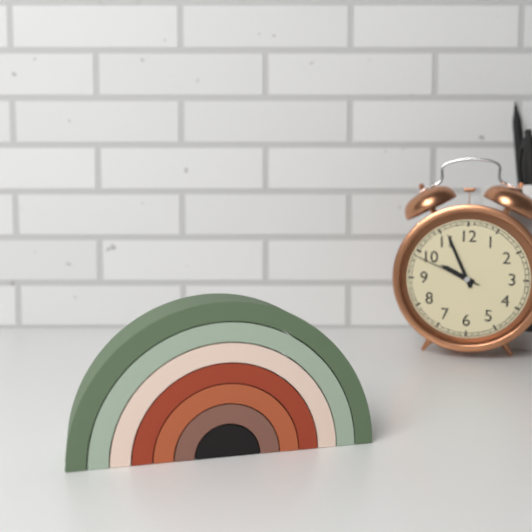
9:56:49
